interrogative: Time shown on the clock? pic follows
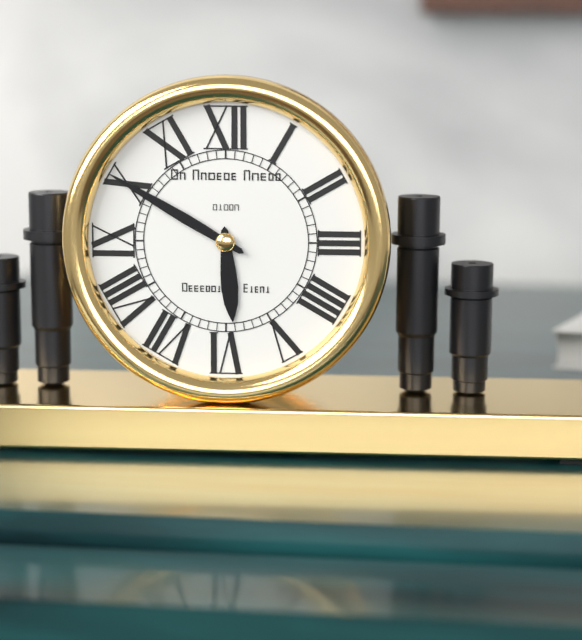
5:50
